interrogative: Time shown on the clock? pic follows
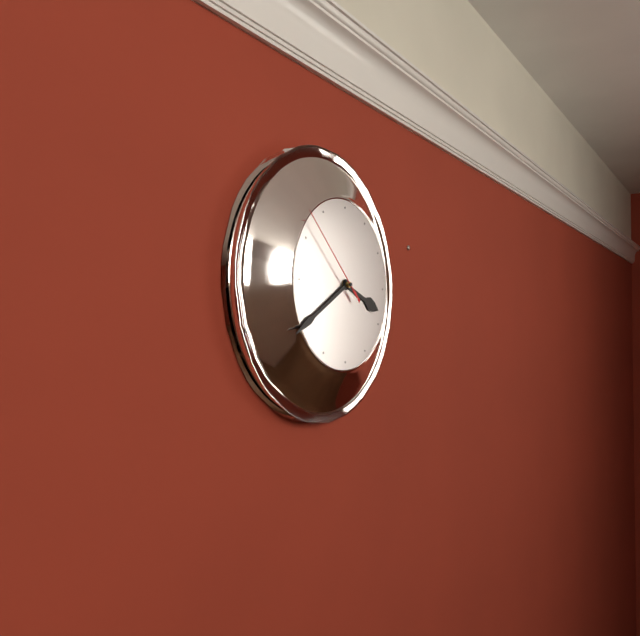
3:40:52
